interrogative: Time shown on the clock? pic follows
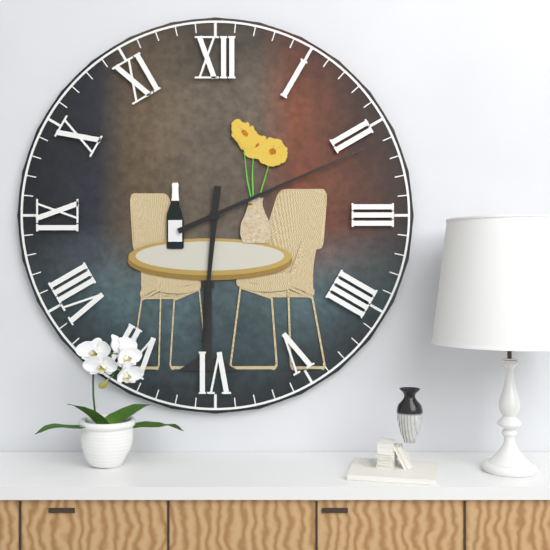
6:11
